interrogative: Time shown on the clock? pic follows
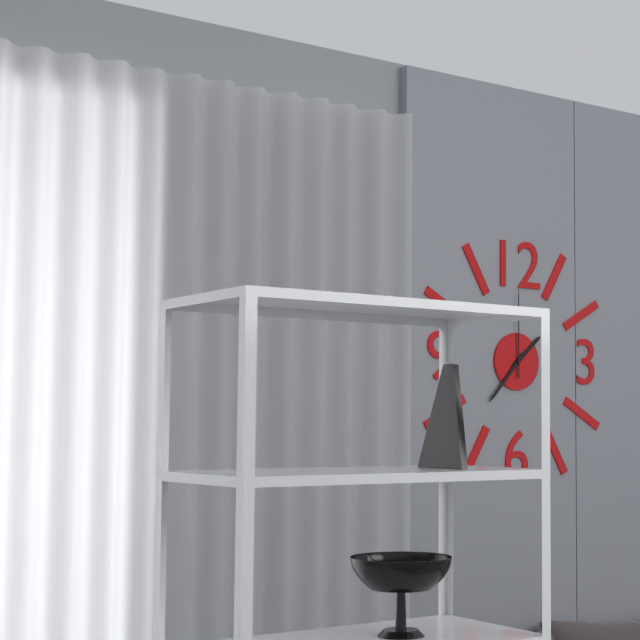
1:37:00
